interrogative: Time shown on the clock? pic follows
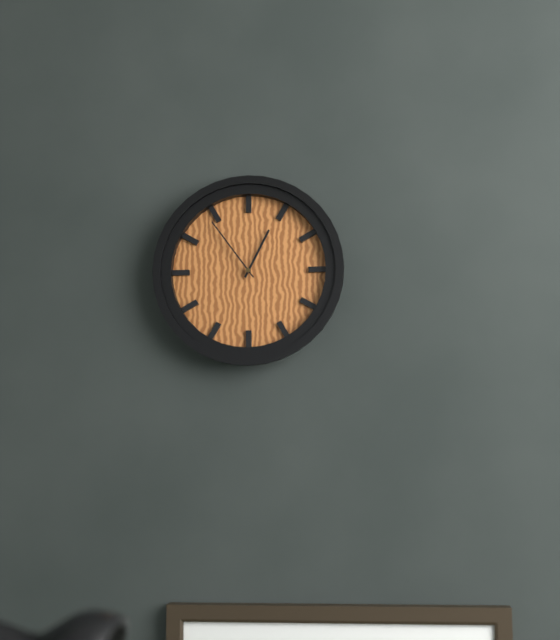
12:54
